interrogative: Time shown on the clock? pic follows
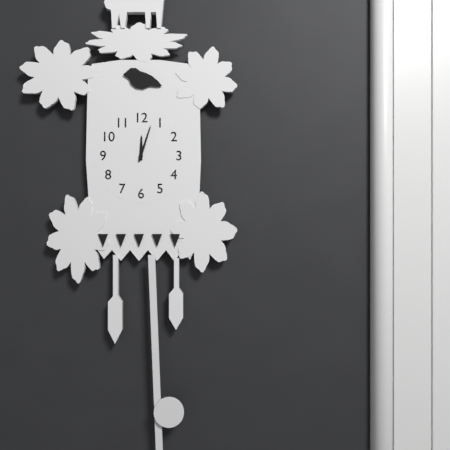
12:03
